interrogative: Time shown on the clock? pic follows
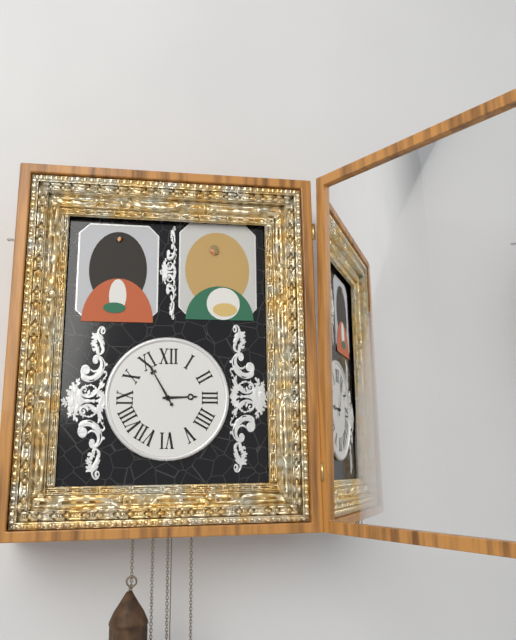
2:55
